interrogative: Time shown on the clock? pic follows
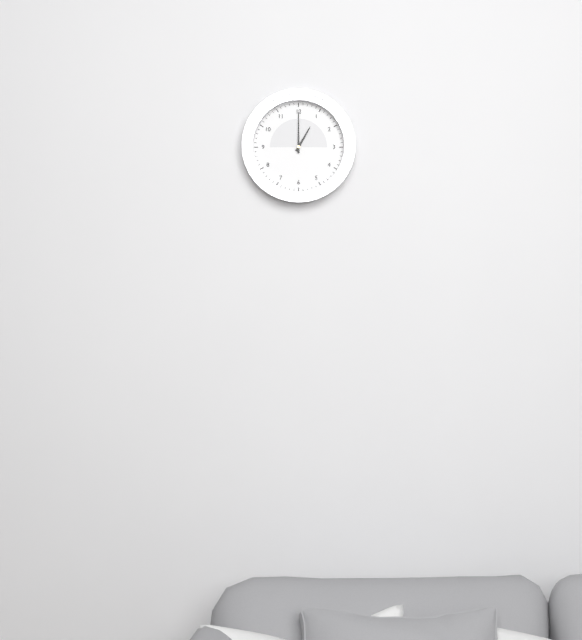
1:00
